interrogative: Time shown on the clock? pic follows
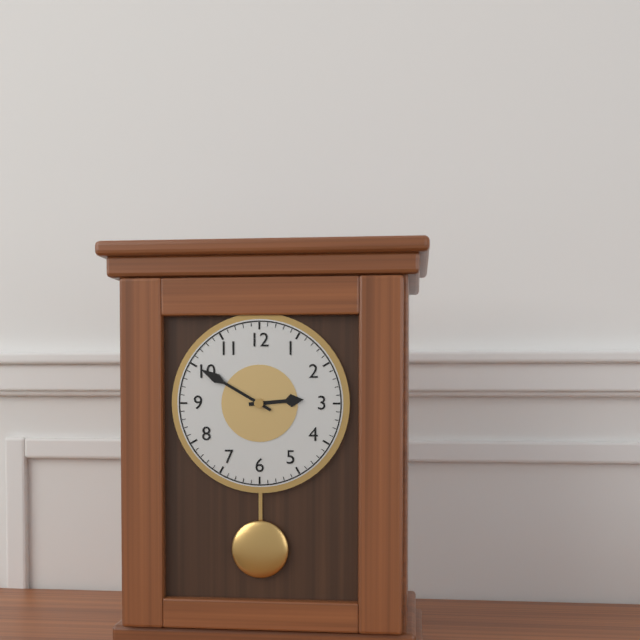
2:50
